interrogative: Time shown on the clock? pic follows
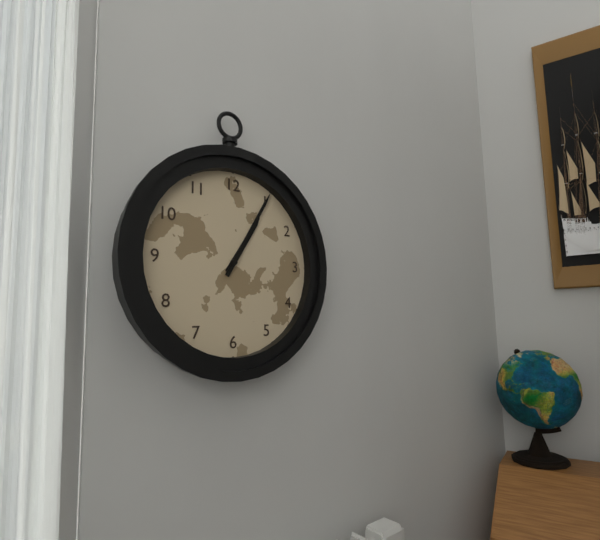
1:05
